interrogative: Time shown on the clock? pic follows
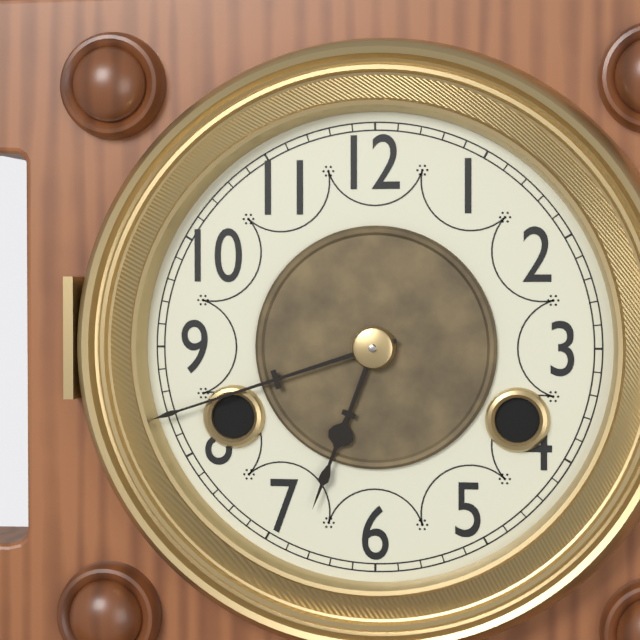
6:42
